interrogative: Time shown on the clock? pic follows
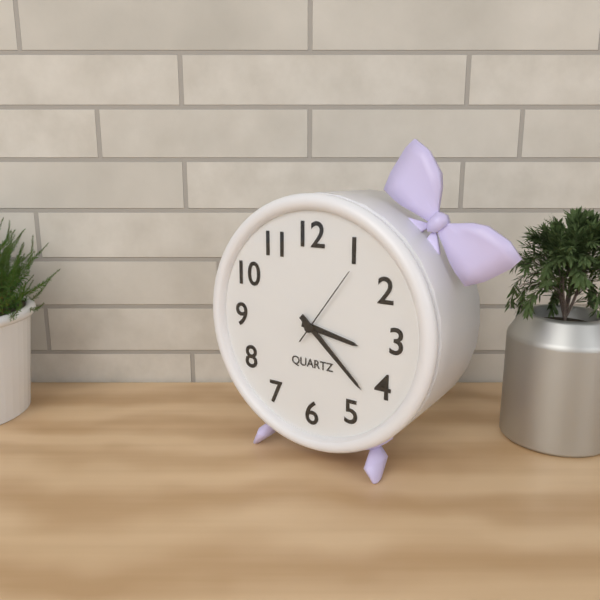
3:22:06
